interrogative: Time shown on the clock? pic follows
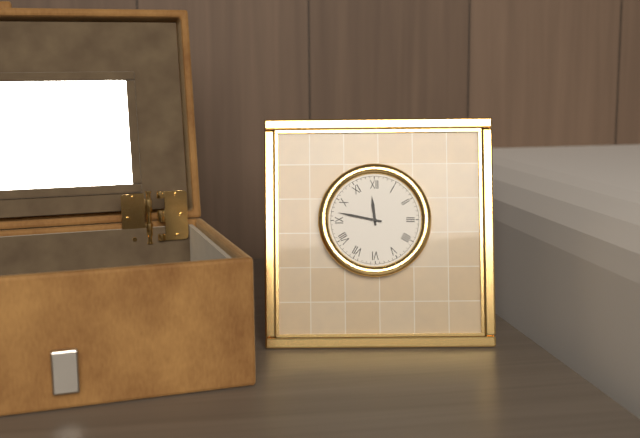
11:47
